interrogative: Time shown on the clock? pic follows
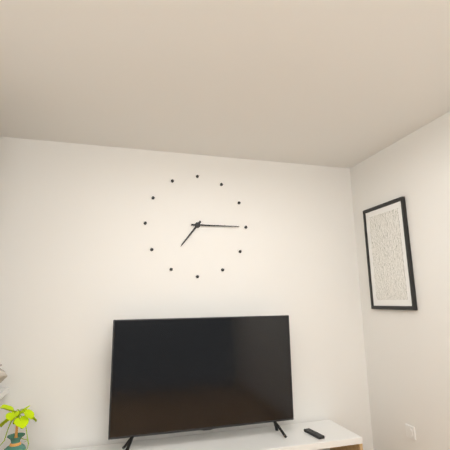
7:15
